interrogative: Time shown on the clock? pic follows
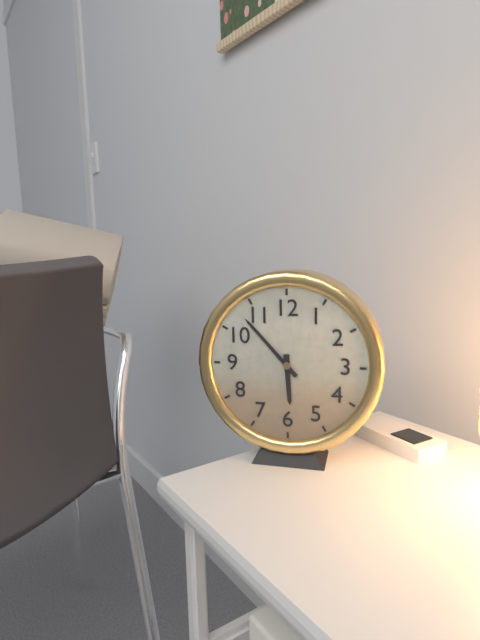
5:53
